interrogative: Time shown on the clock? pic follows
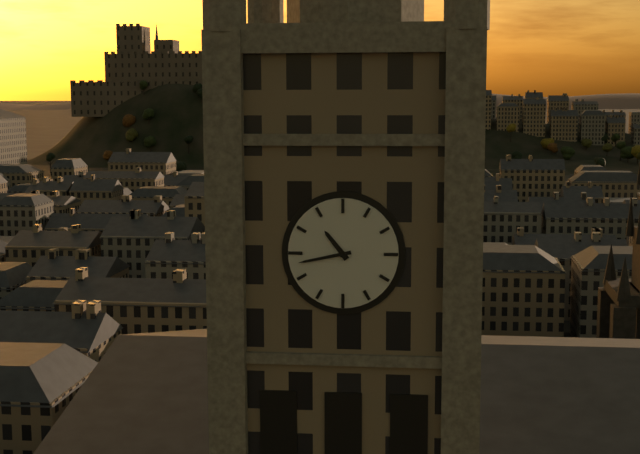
10:43
